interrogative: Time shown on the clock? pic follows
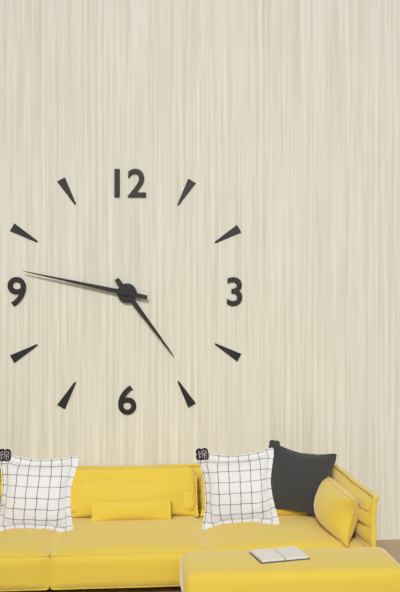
4:47
